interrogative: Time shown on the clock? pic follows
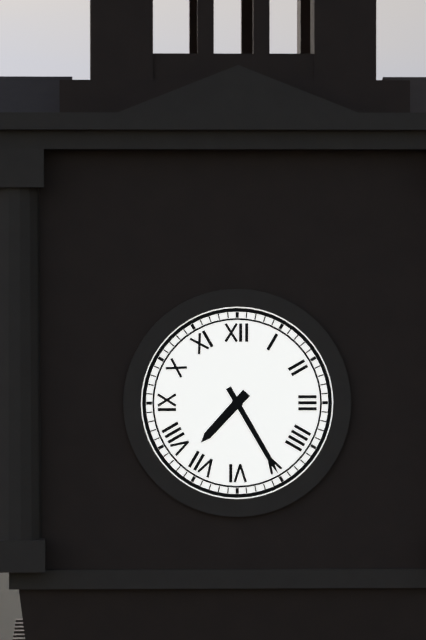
7:25
